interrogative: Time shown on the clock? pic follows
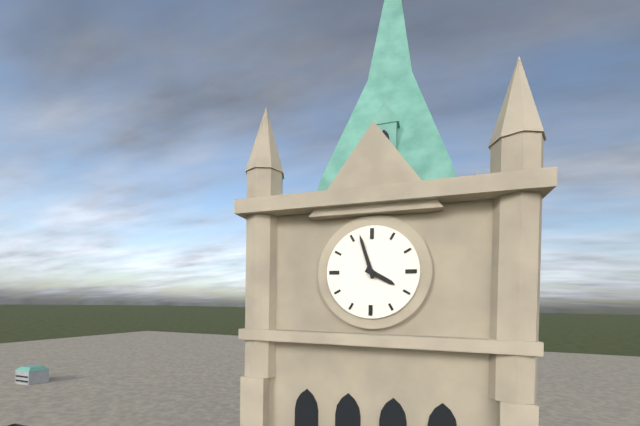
3:57
